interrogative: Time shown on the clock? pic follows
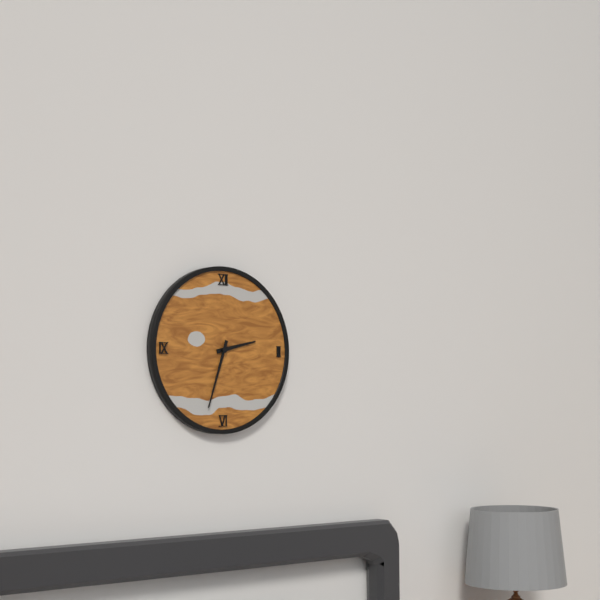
2:33
